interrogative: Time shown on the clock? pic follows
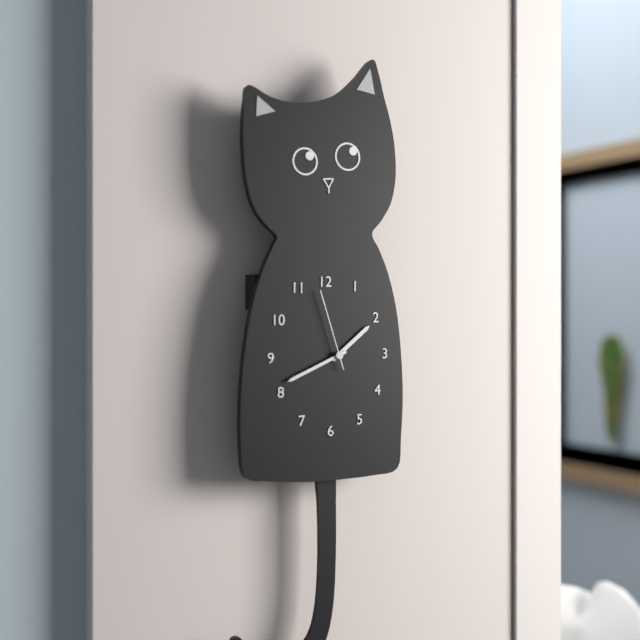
1:41:57
